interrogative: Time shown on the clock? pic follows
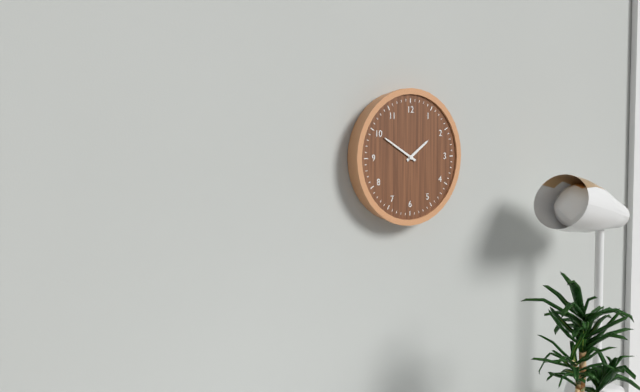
1:50
